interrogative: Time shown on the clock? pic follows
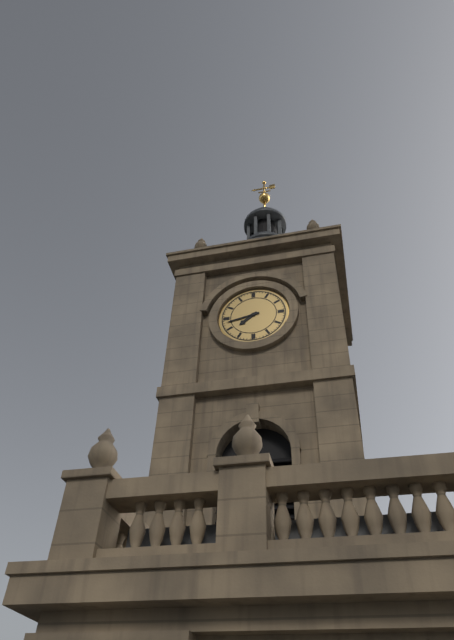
7:43
